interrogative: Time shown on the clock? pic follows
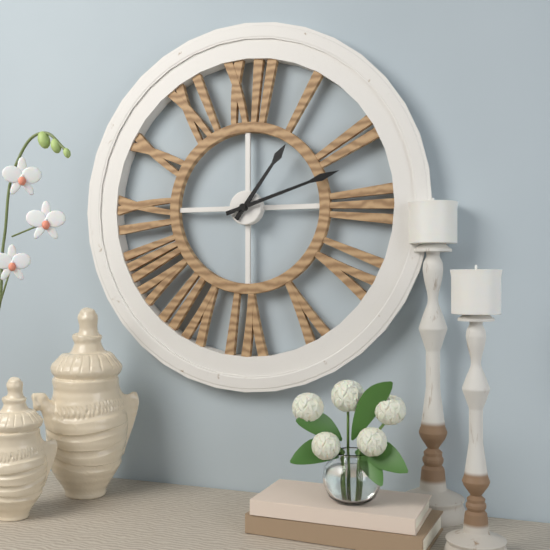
1:12
